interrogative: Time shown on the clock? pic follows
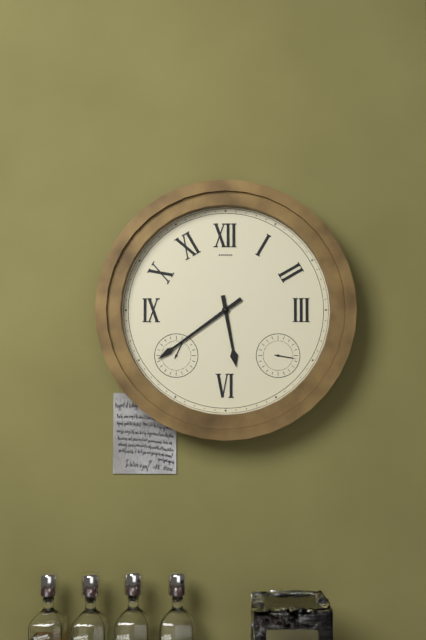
5:39
